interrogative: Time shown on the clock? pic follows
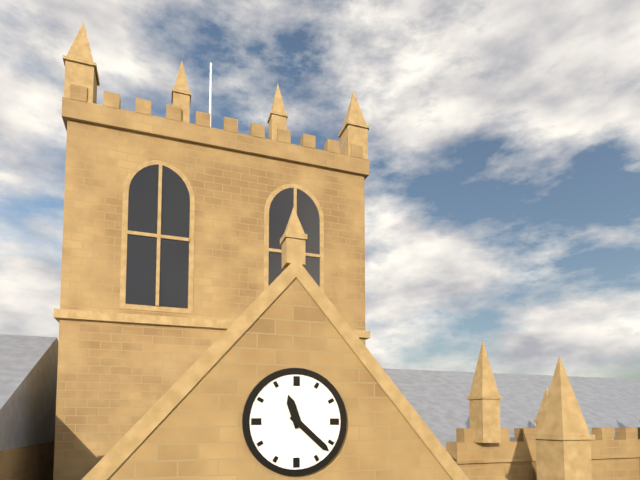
11:22
